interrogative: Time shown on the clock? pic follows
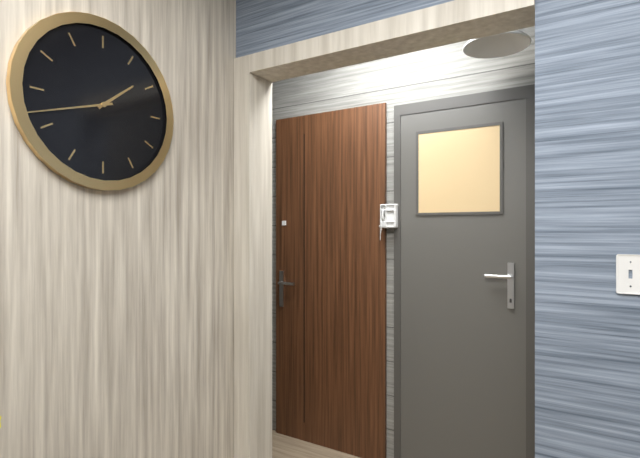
1:42
